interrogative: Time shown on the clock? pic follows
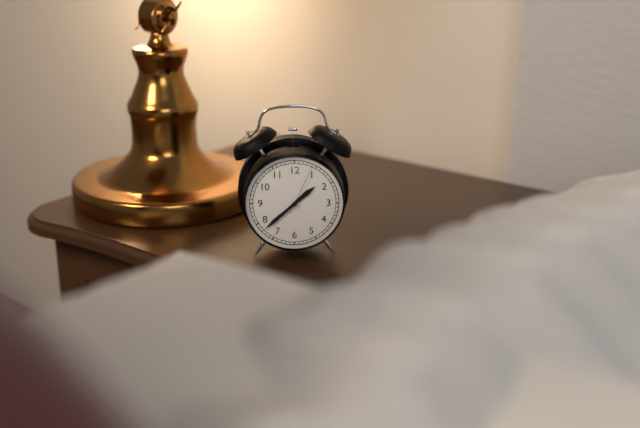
1:38
